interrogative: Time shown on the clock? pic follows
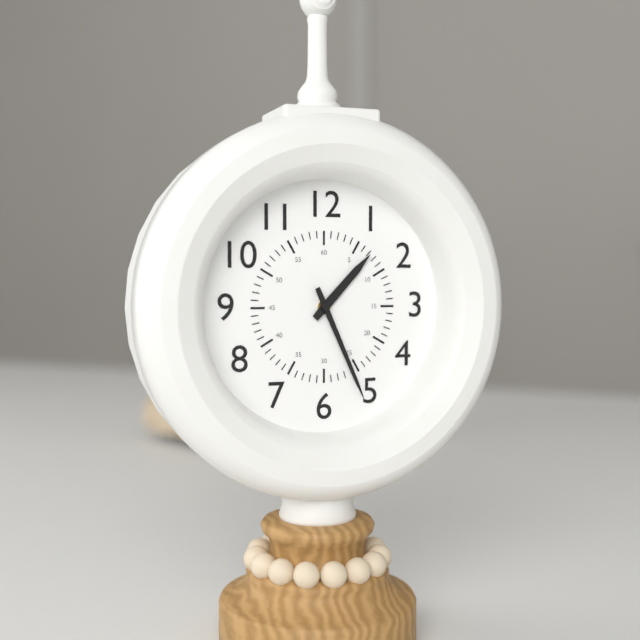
1:26
